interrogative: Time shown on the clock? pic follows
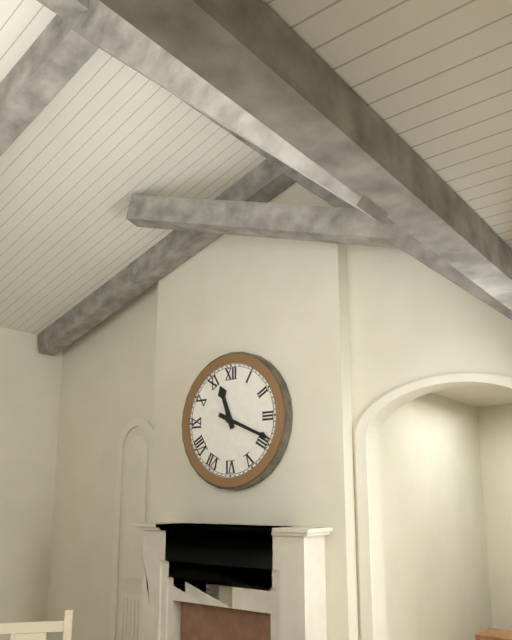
11:19
